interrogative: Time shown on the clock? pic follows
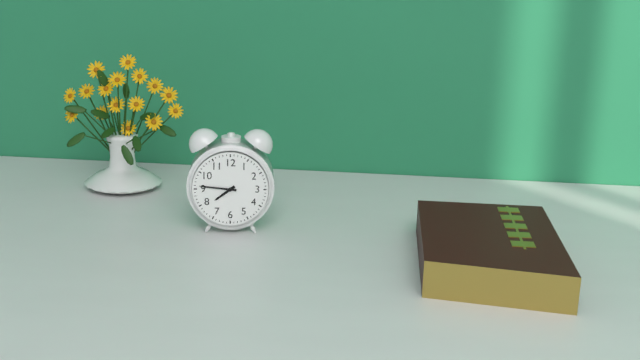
7:46
